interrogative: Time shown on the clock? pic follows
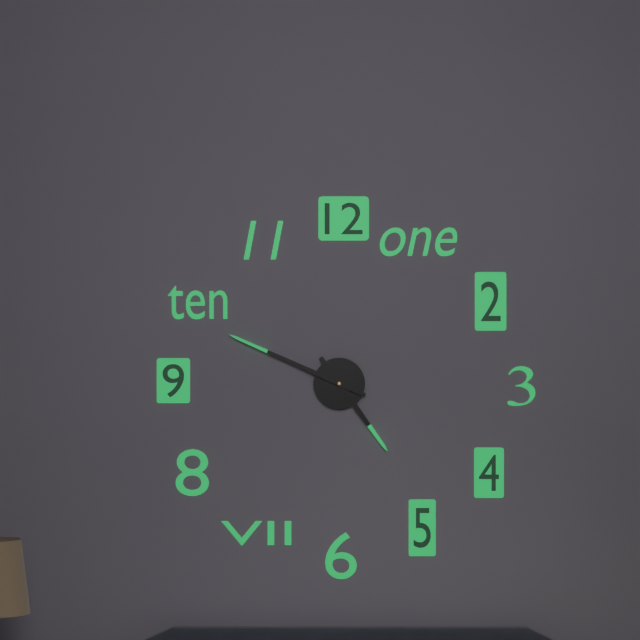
4:49
